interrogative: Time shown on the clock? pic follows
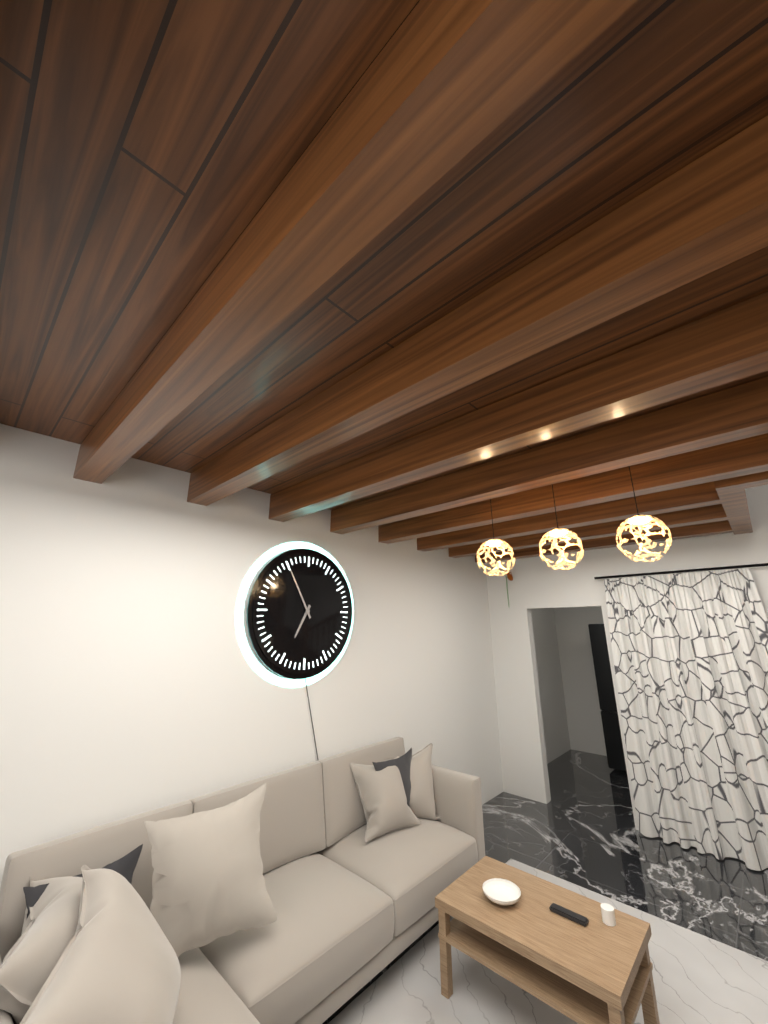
6:55
